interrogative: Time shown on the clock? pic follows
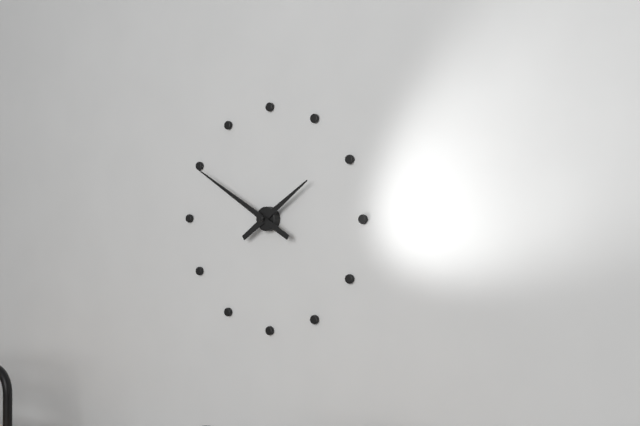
1:50
